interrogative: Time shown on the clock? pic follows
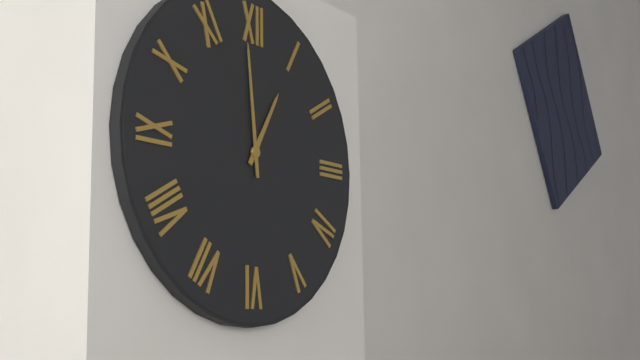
12:59
